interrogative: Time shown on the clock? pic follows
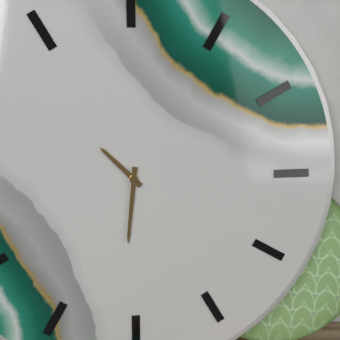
10:31
